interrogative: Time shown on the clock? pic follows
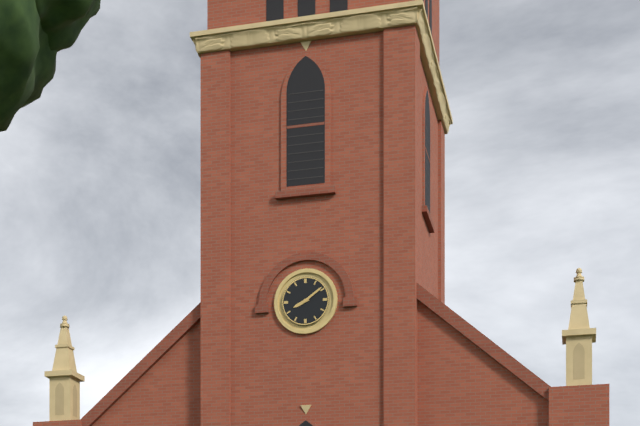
8:09
